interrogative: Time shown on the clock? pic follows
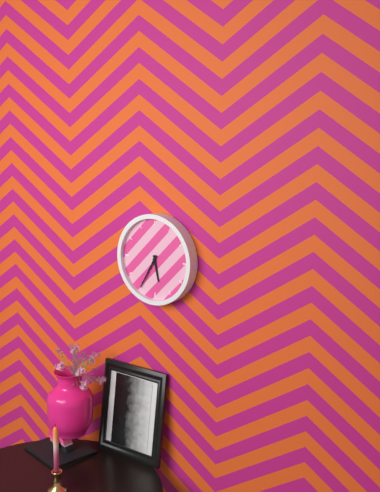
5:35
